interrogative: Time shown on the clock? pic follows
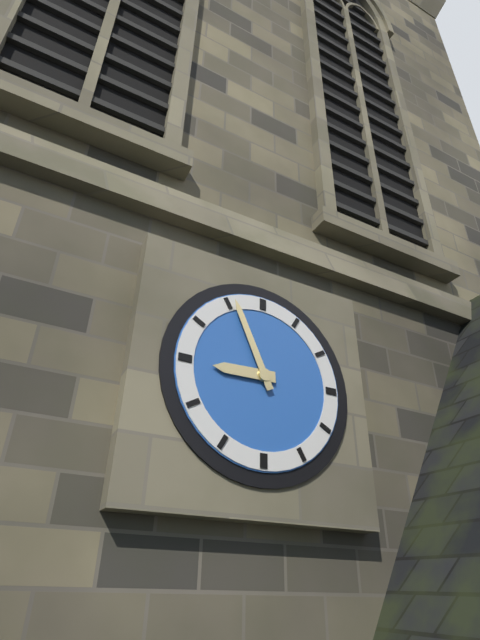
8:56
